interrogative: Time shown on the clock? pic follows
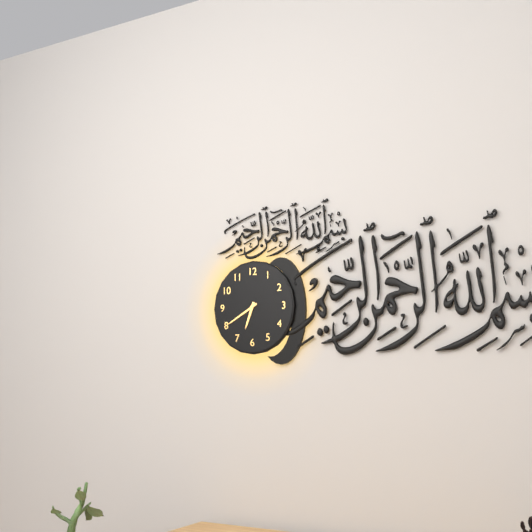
6:40
